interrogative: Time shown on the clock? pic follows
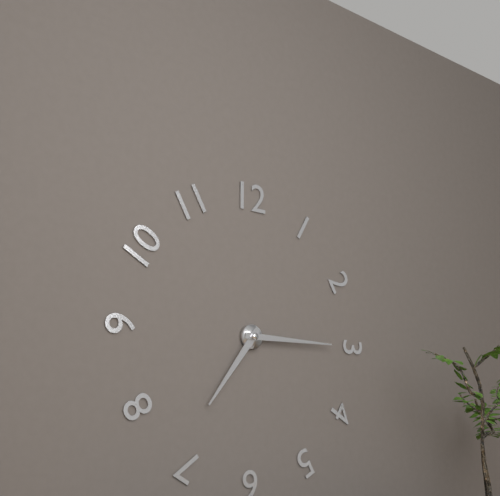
7:15
